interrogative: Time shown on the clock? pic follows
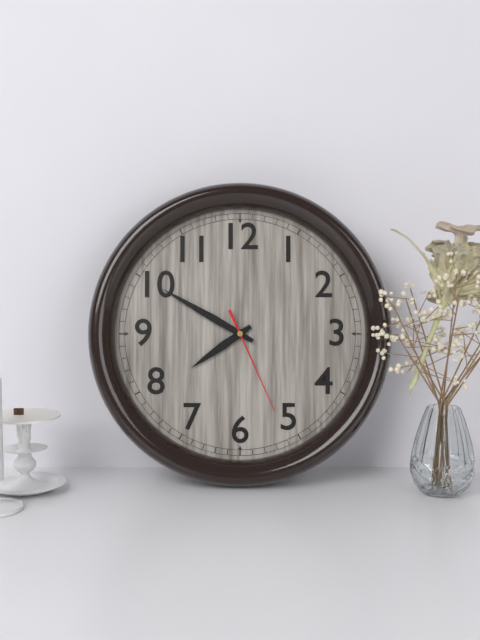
7:50:26
